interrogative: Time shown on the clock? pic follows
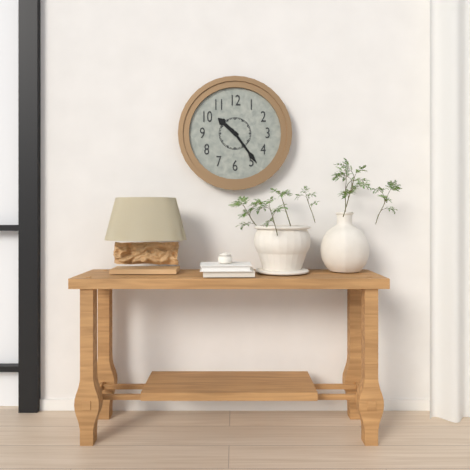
10:24
